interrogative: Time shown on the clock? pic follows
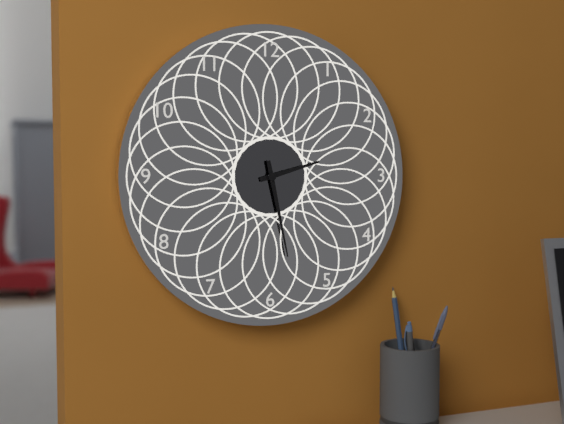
2:28
